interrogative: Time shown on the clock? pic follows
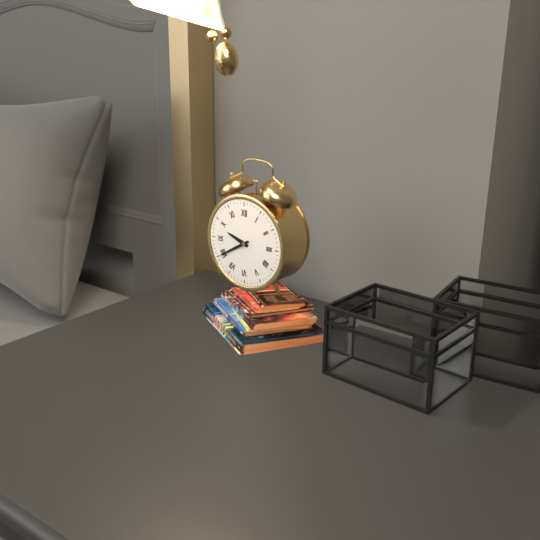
9:40
